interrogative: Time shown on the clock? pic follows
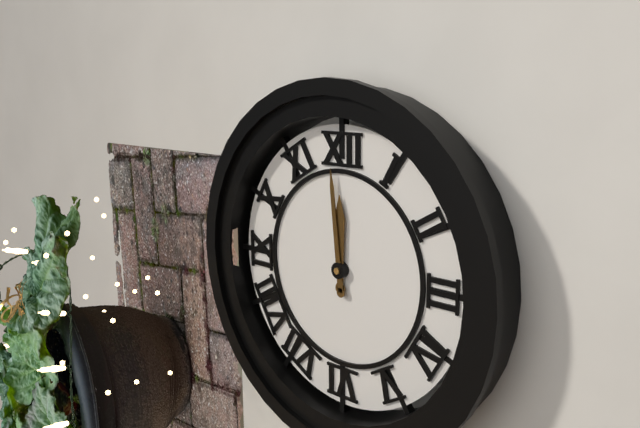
11:59
